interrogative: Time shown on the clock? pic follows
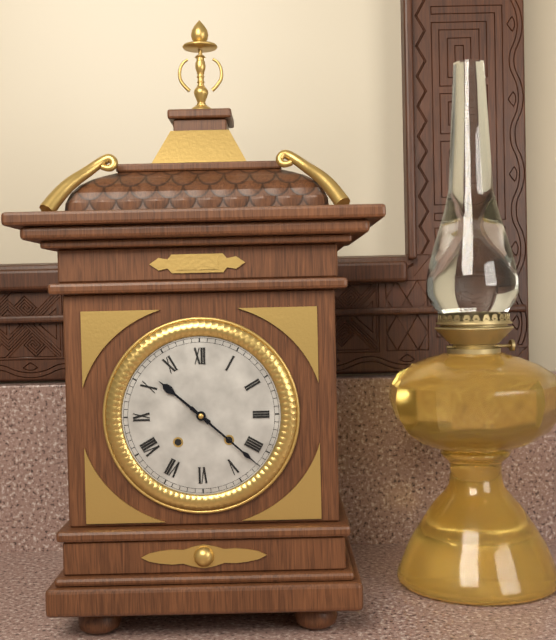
10:22
